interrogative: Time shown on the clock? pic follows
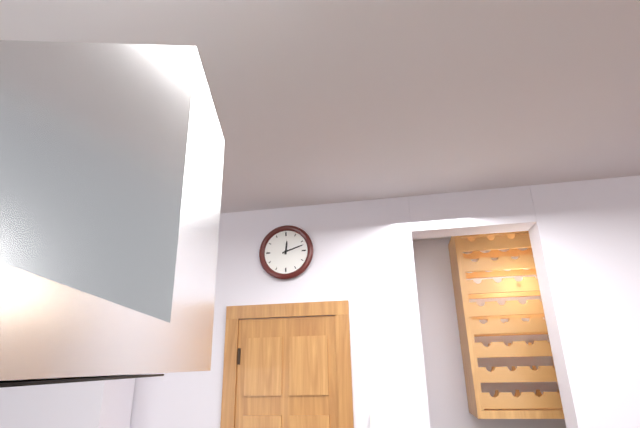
12:12
